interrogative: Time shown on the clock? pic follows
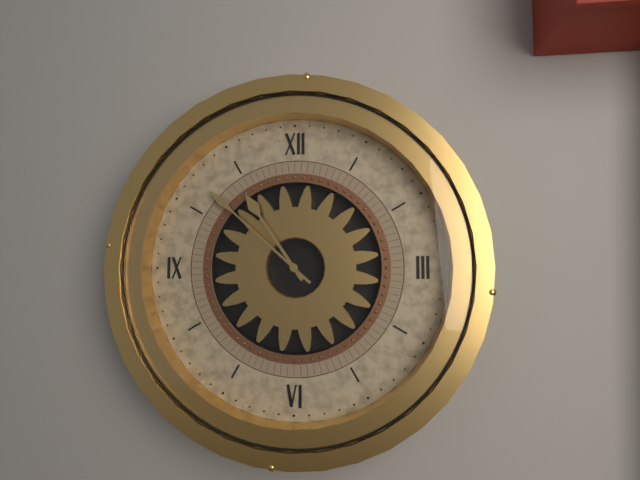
10:52
